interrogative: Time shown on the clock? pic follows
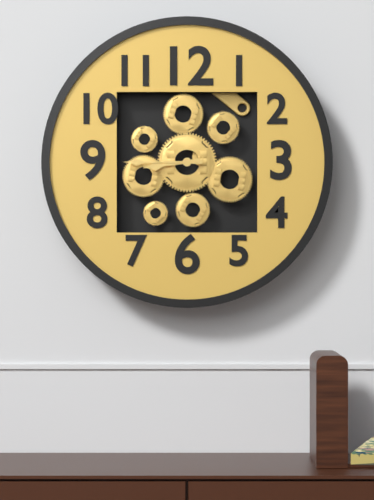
8:45
